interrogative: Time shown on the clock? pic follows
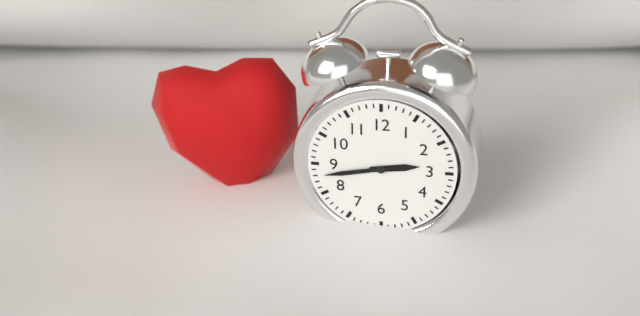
2:43
